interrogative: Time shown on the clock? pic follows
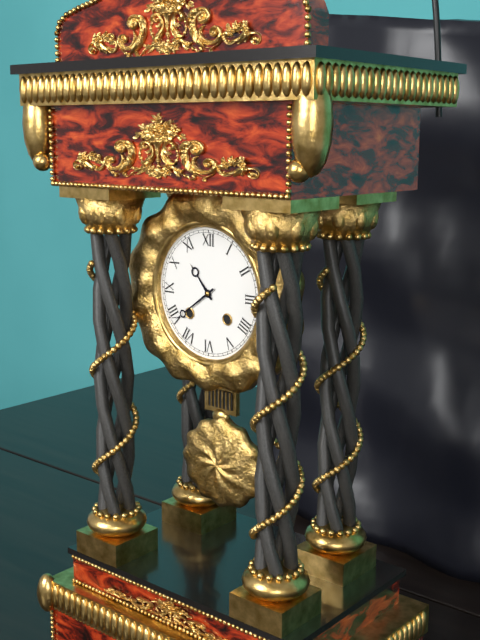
10:39
